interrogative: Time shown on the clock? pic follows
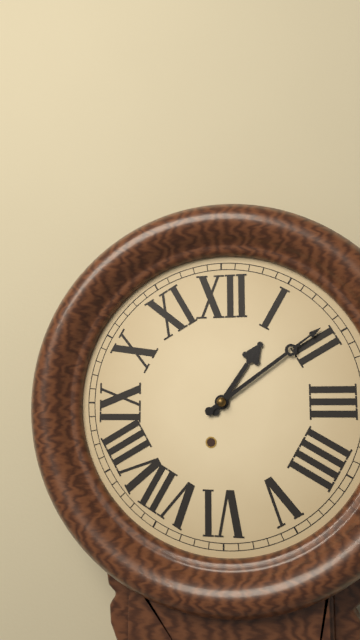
1:09
